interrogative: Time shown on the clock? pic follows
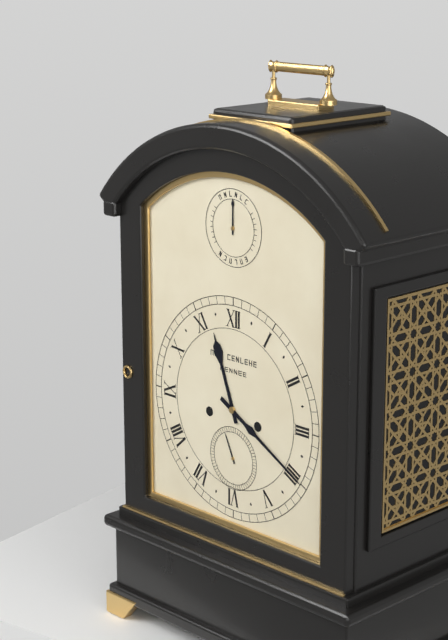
11:20
